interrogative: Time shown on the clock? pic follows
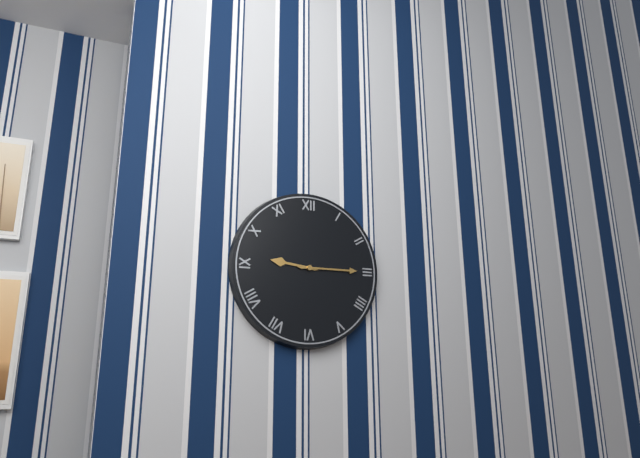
9:15
